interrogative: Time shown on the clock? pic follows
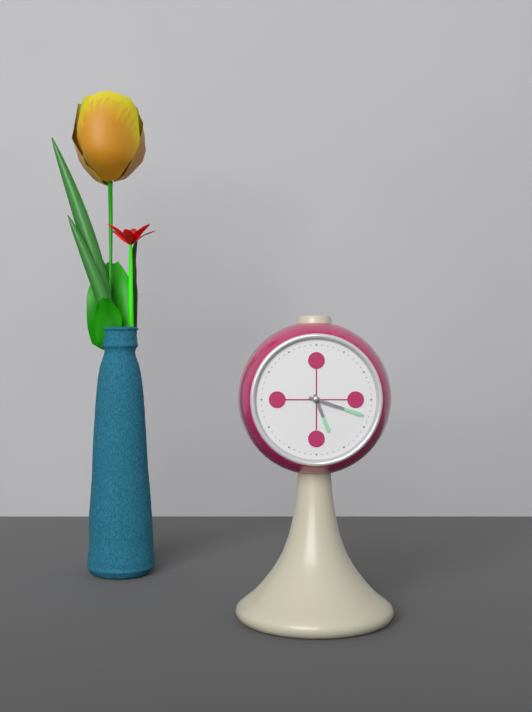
5:18
